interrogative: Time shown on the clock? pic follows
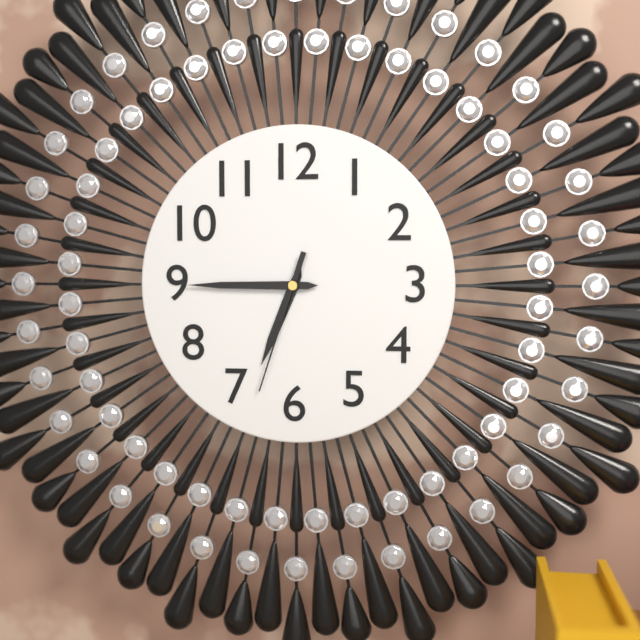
6:45:33
